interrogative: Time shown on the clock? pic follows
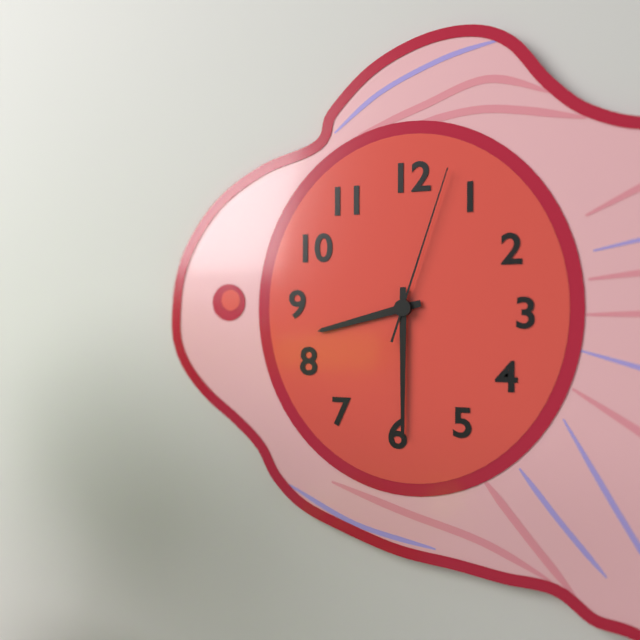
8:30:03
